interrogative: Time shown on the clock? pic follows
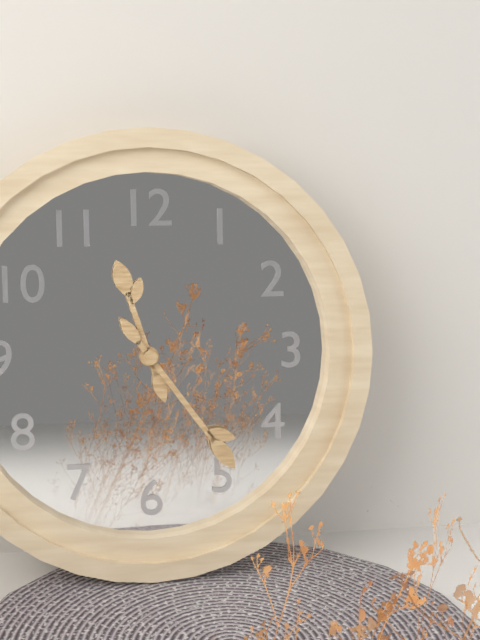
11:24
